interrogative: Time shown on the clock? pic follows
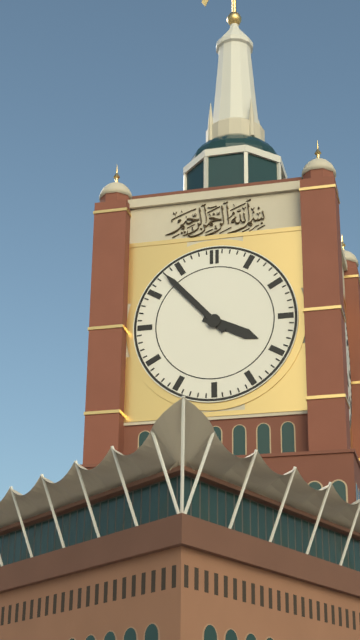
3:53
